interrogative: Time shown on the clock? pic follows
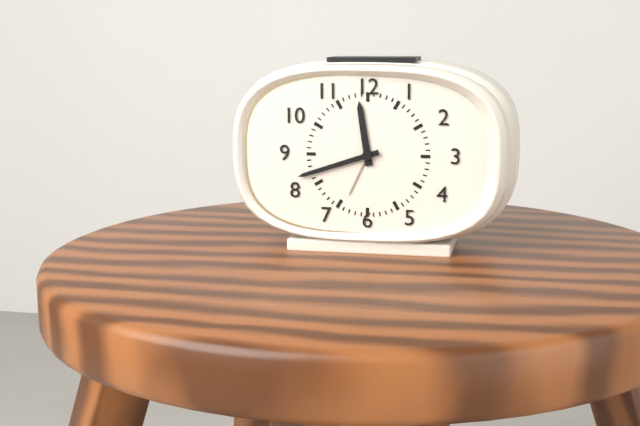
11:42
